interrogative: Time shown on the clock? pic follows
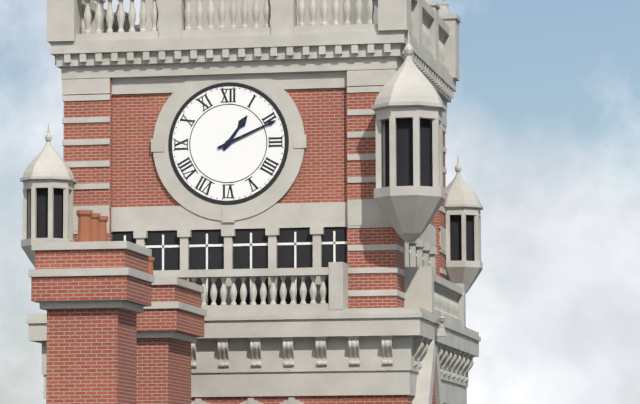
1:11
